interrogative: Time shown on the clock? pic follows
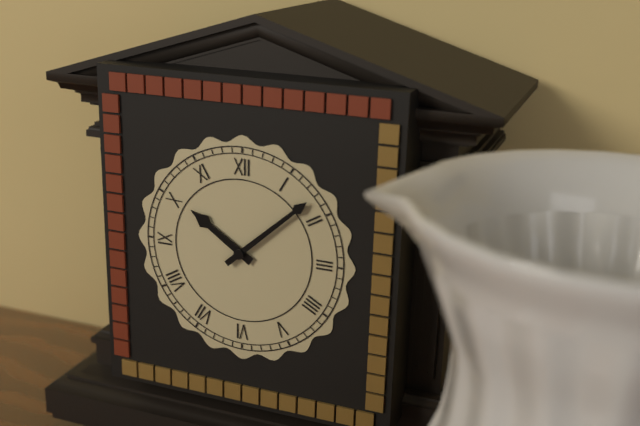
10:08
